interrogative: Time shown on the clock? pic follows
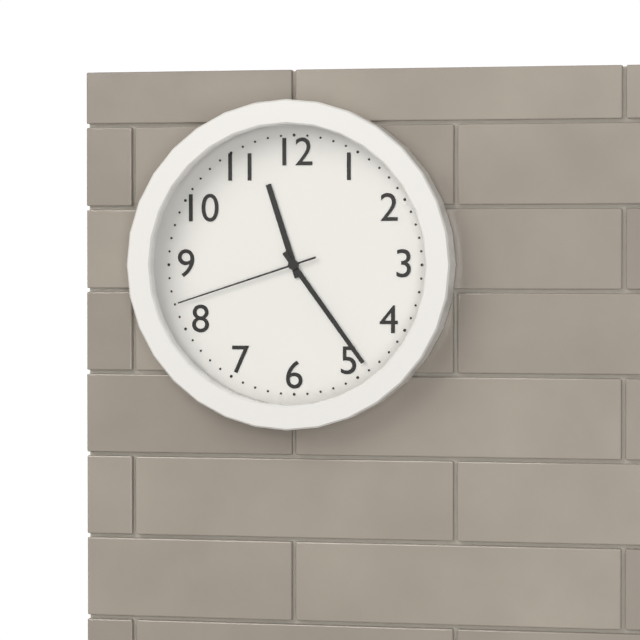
11:24:42
